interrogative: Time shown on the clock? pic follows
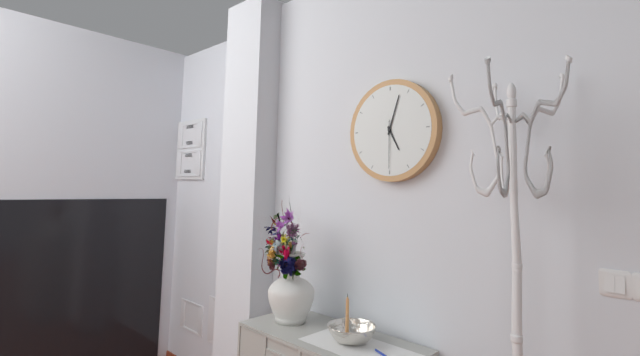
5:03
